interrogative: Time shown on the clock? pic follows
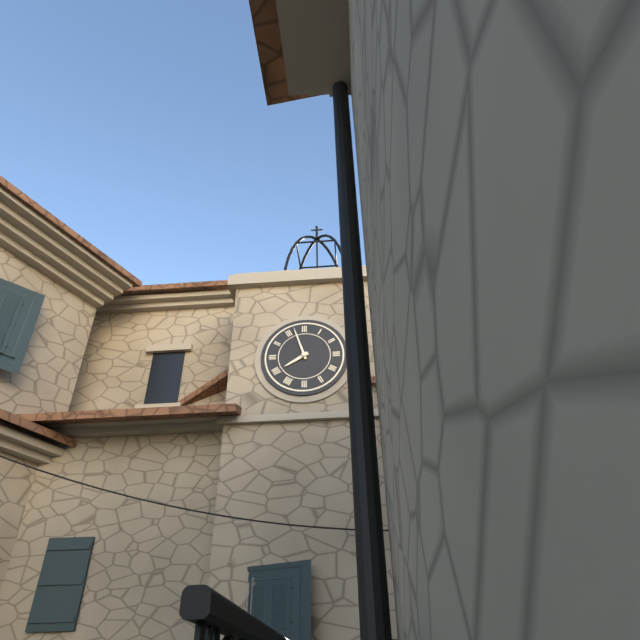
7:57
